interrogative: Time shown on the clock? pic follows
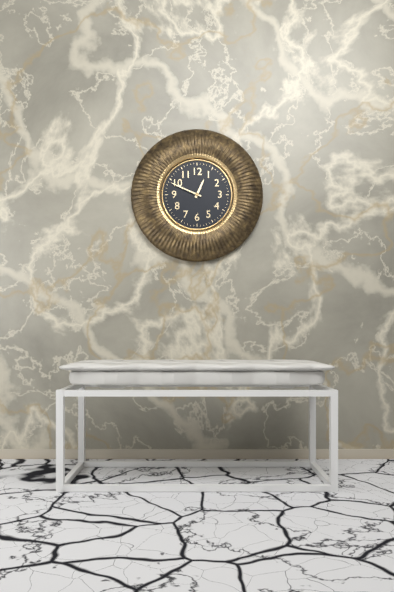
12:49
